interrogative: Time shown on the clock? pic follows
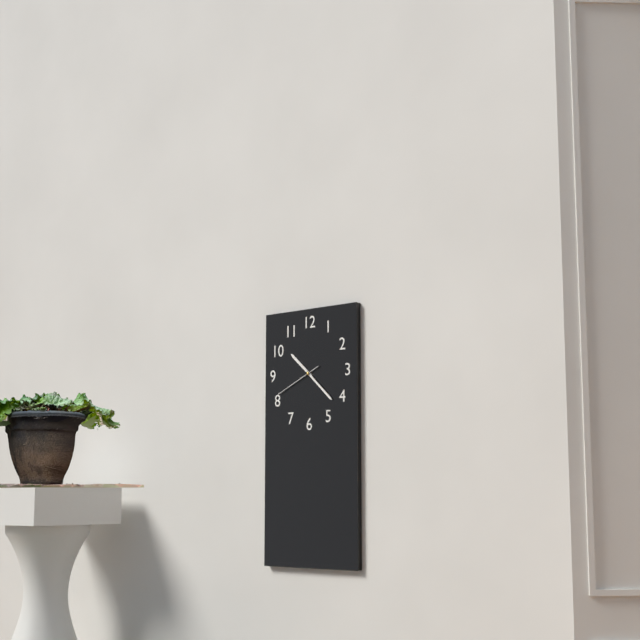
10:22
